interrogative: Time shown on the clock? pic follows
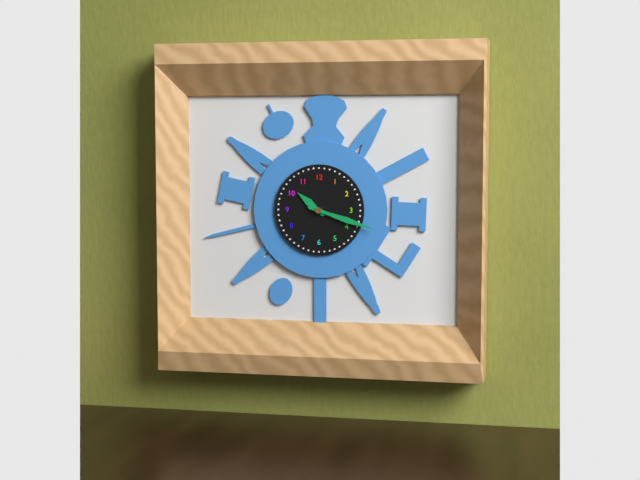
10:18
